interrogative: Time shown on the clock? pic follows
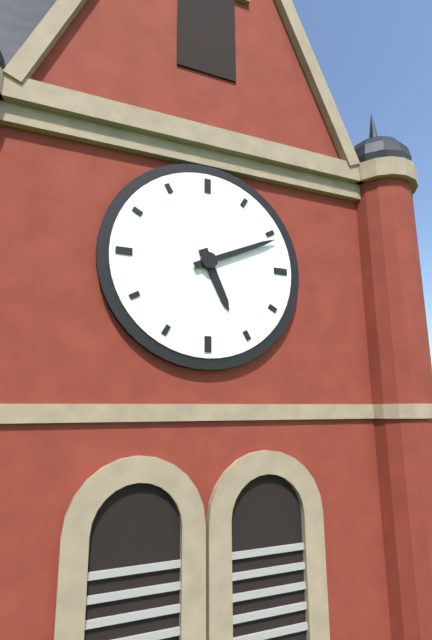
5:11
